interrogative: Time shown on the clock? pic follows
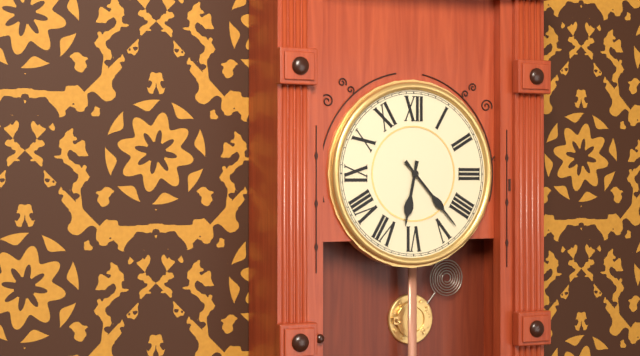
6:23
